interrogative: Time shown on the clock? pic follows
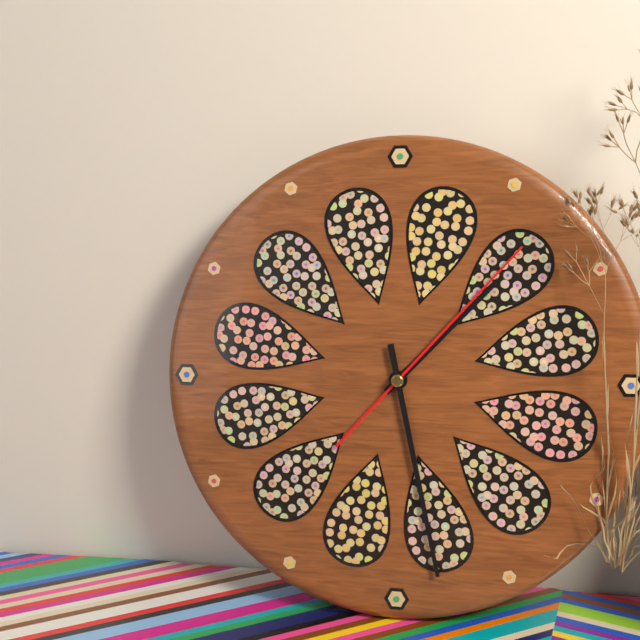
1:28:07
